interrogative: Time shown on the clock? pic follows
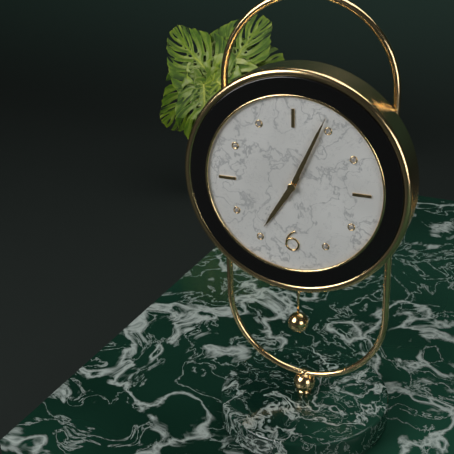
7:04
